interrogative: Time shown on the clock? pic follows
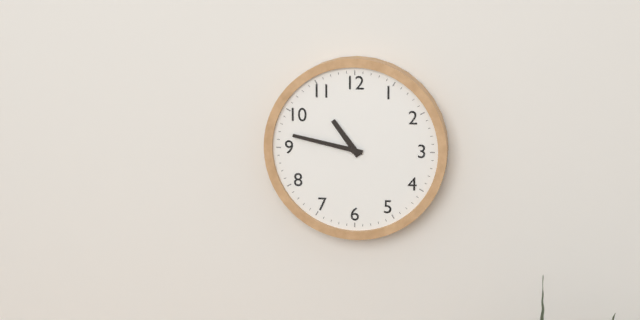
10:47
